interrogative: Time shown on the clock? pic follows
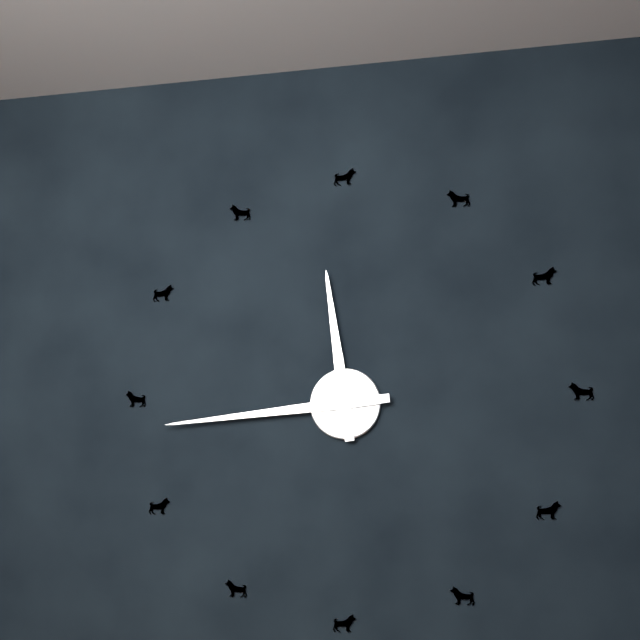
11:44
